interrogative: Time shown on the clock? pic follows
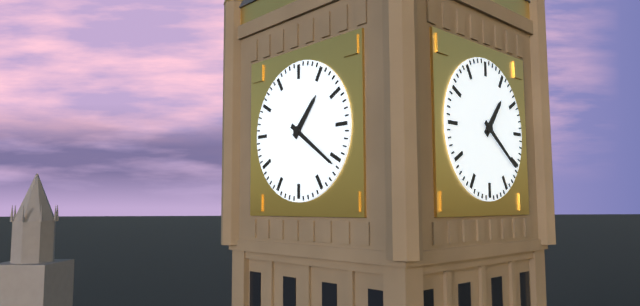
1:21
